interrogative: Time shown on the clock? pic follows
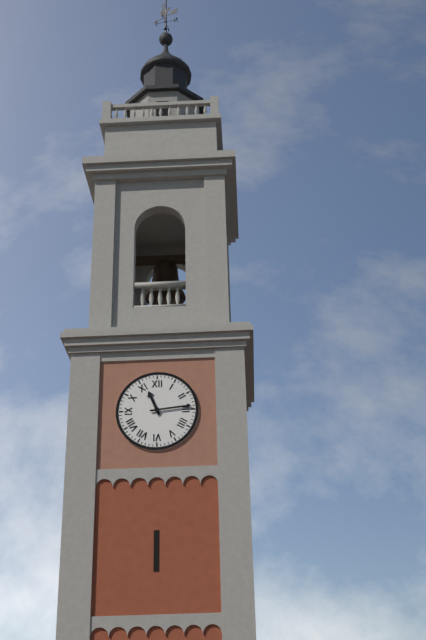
11:14
